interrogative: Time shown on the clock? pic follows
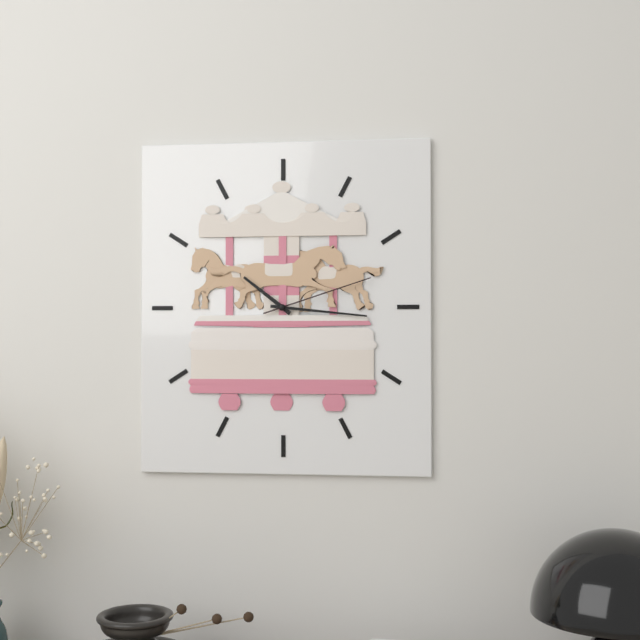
10:16:12
